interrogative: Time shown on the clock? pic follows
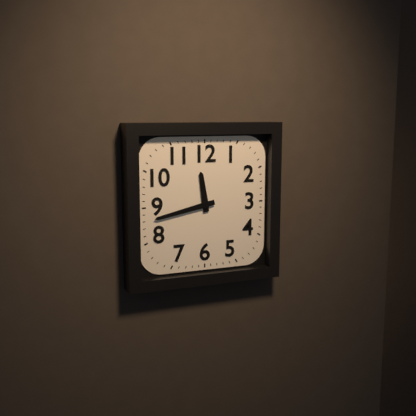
11:43
